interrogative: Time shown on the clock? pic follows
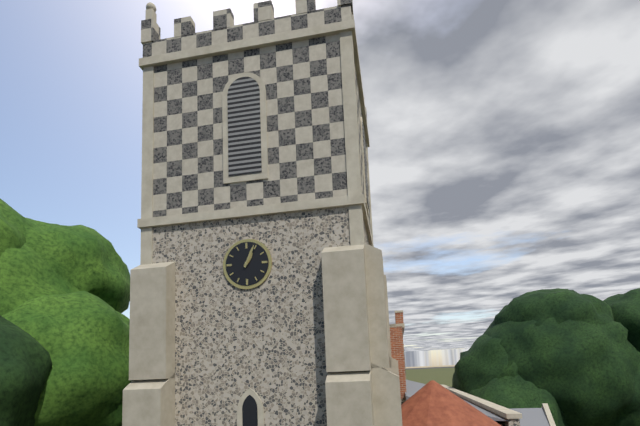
1:04
